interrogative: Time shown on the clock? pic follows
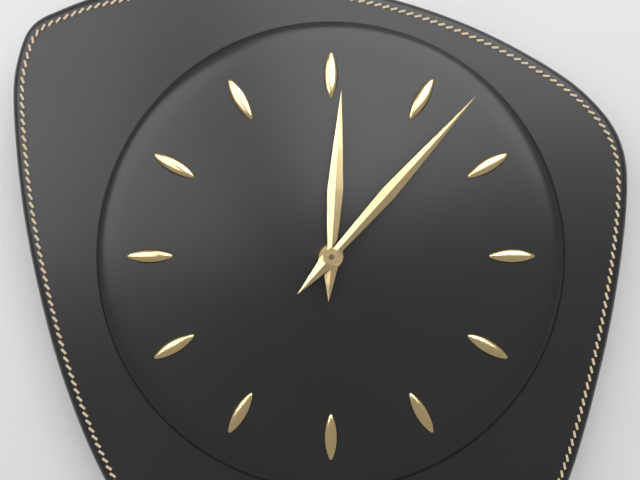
12:07
